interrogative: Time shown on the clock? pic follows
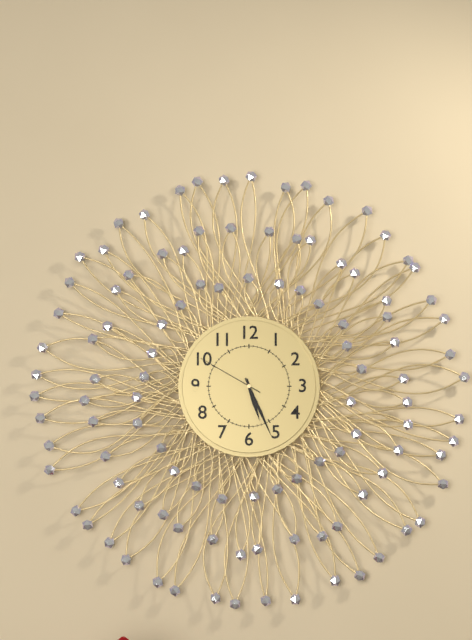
5:26:50
